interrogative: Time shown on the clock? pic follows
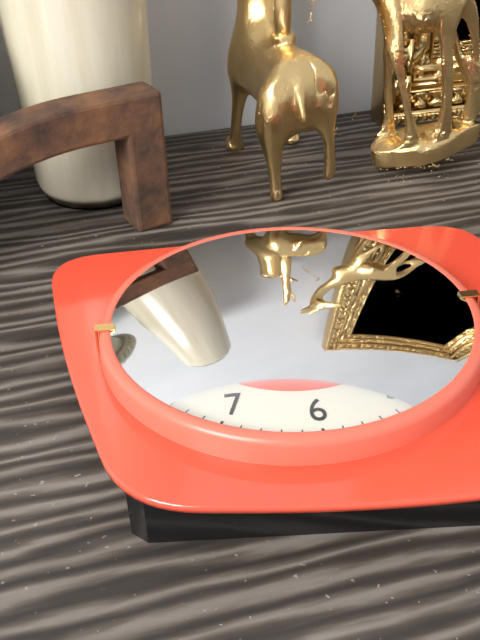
12:17:42
